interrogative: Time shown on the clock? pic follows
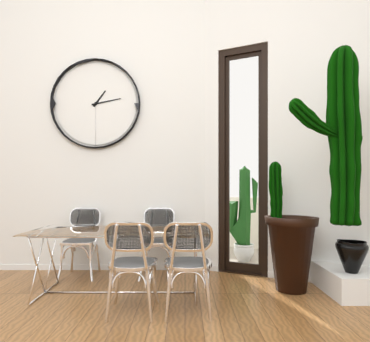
1:13
